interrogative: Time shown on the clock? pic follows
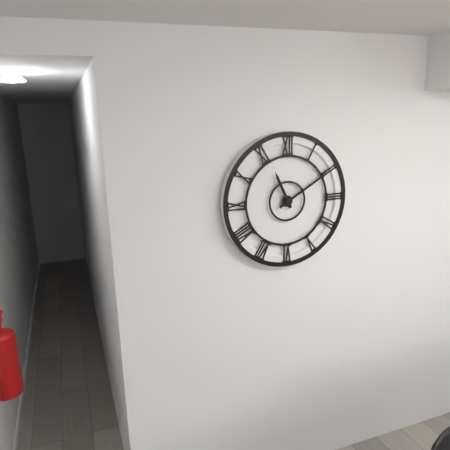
11:10
